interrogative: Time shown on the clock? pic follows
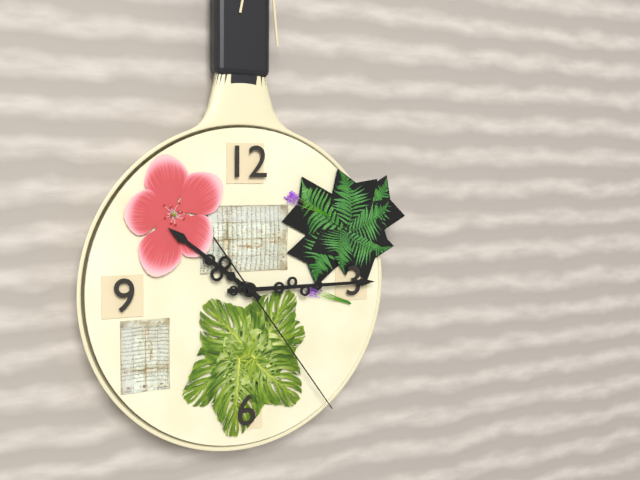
10:15:24
